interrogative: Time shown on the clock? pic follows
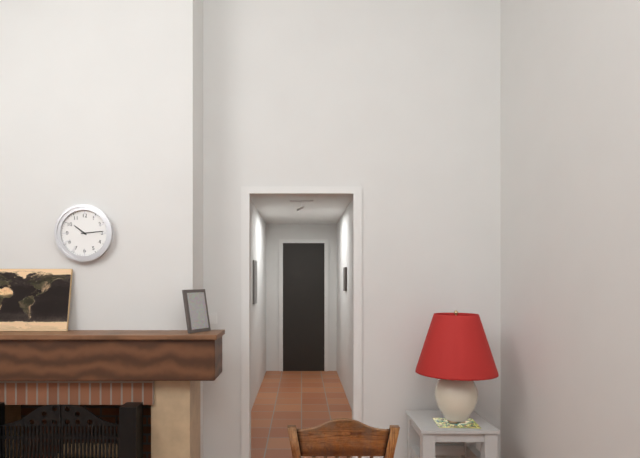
10:14
